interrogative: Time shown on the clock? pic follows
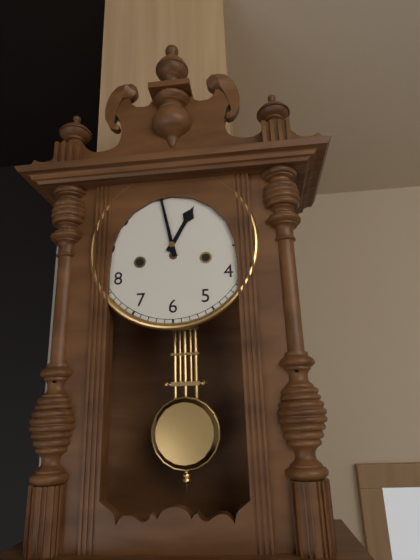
12:58
